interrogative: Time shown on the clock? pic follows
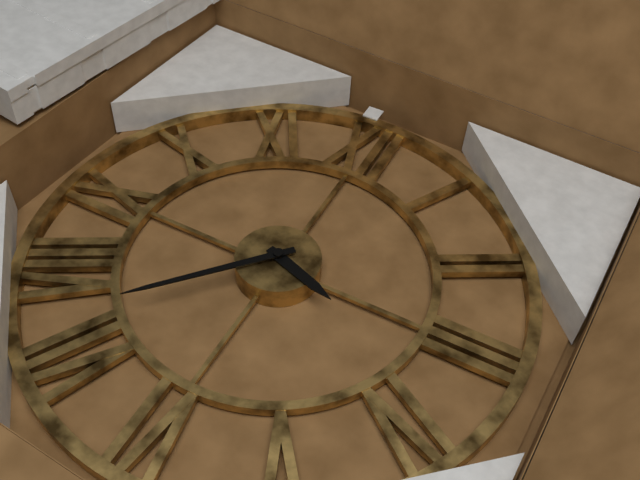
3:37
